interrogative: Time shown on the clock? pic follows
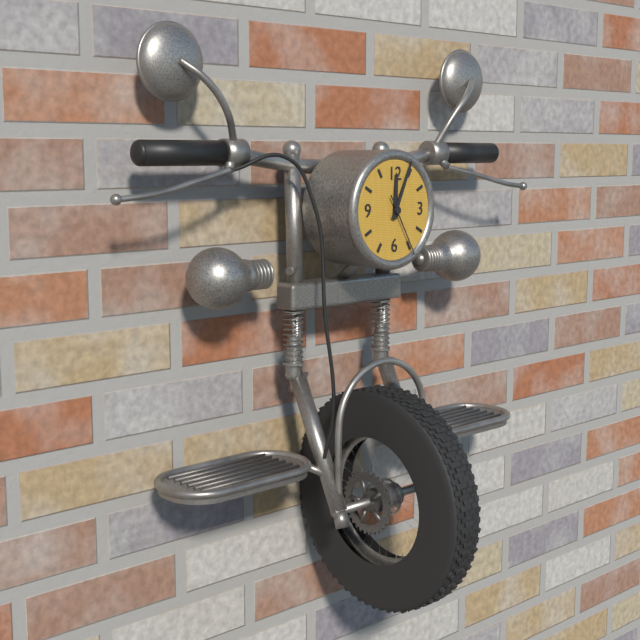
12:04:25
